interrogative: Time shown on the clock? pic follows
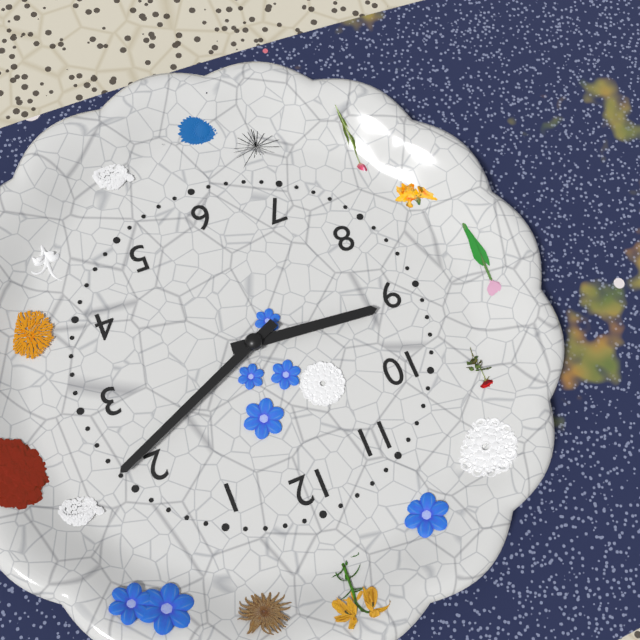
9:11
